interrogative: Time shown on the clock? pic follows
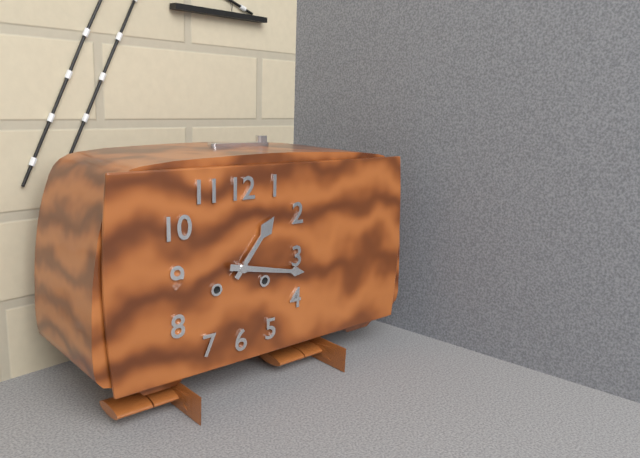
1:17
